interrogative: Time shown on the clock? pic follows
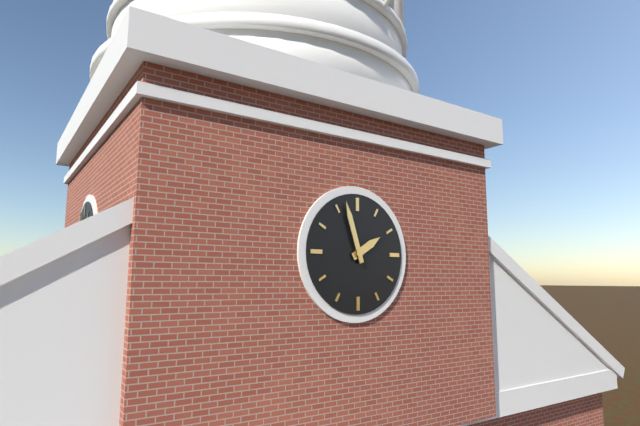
1:57
